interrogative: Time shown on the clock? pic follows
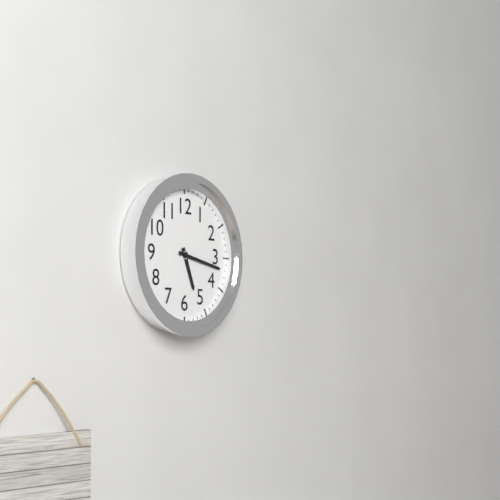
5:17
